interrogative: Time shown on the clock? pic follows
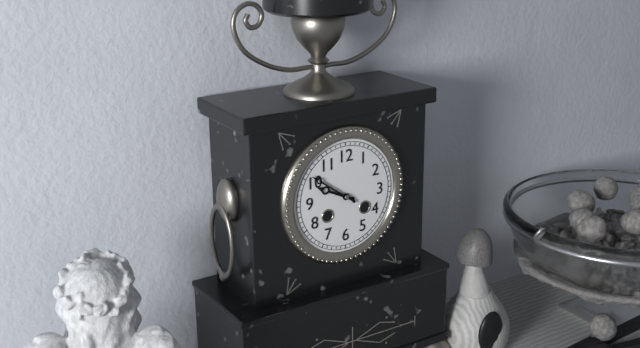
9:51
